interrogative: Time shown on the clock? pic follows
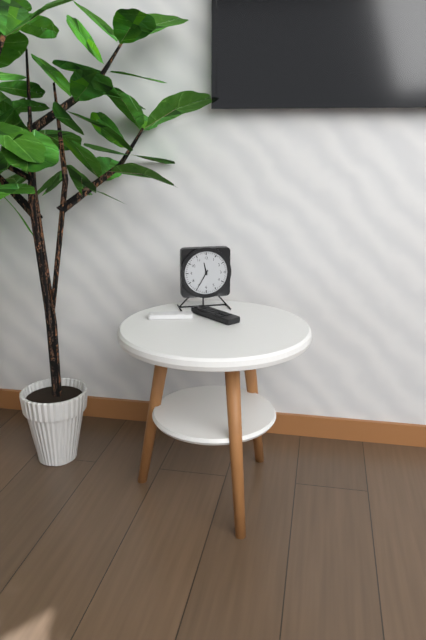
11:35
